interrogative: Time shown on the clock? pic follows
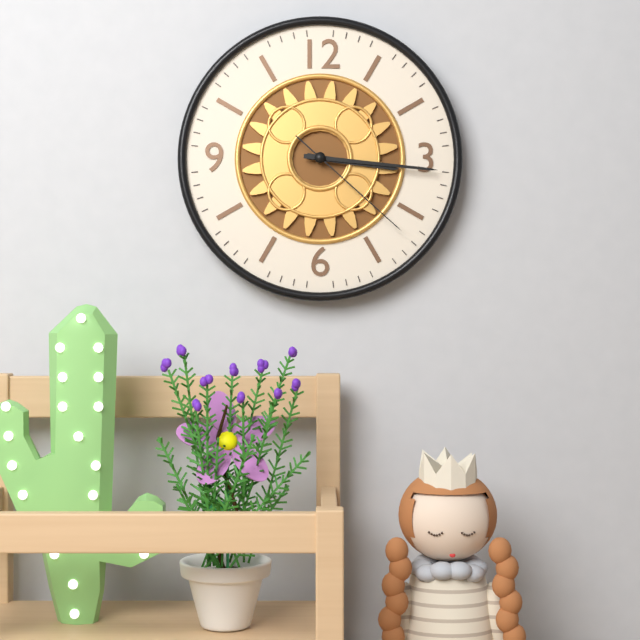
3:16:22
